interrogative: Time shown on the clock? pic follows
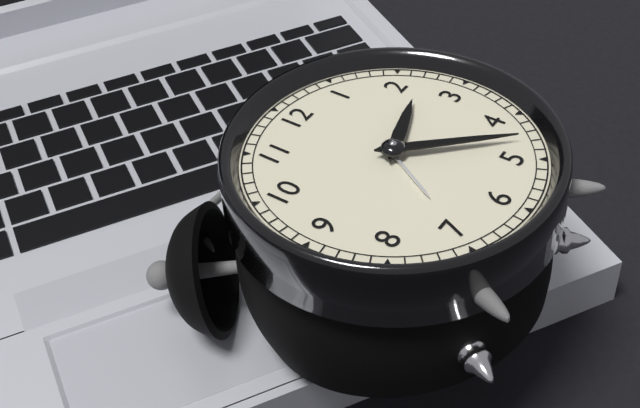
2:23
